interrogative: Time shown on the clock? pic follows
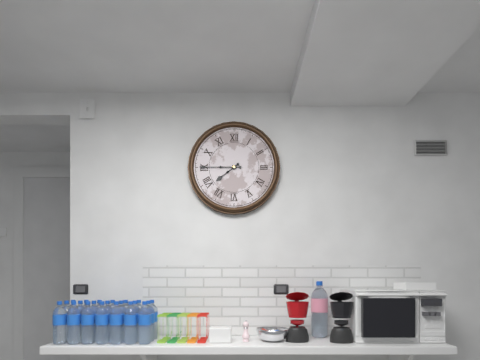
7:45
